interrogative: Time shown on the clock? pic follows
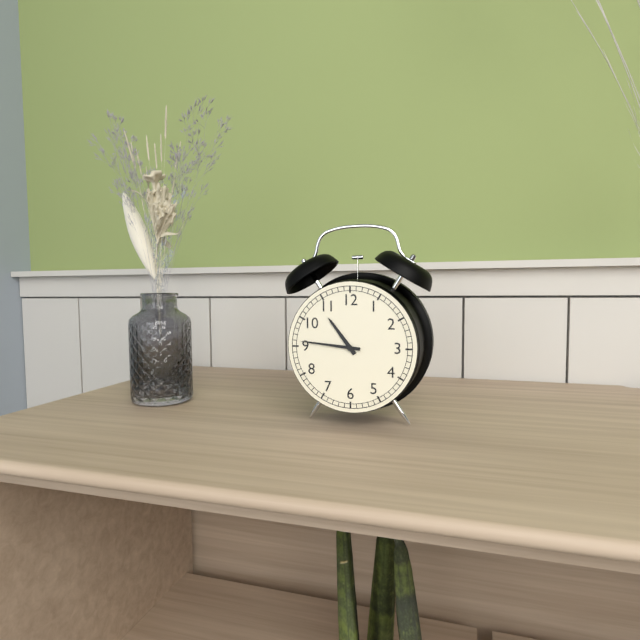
10:46
